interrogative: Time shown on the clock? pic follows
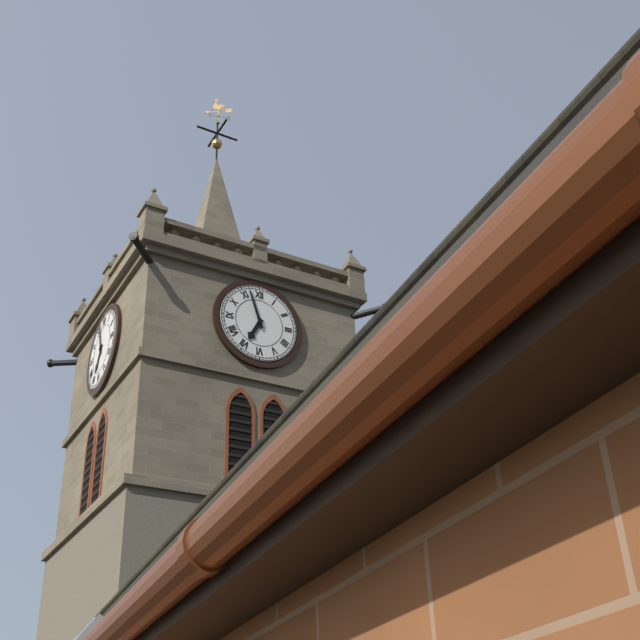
6:57
